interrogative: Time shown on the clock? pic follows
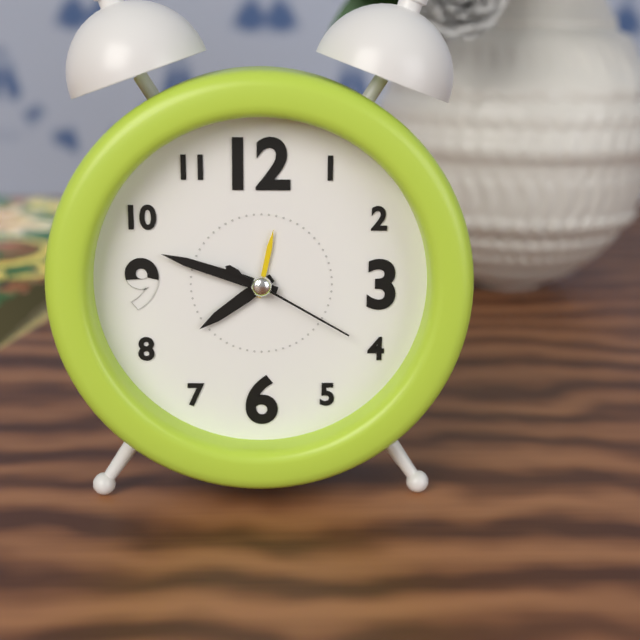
7:48:20
